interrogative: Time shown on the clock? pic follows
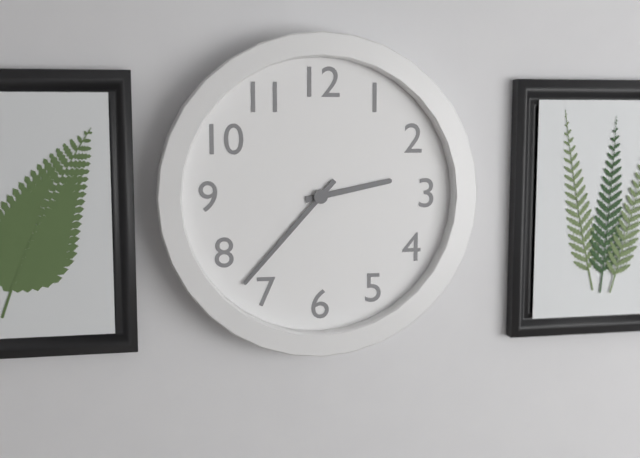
2:37
